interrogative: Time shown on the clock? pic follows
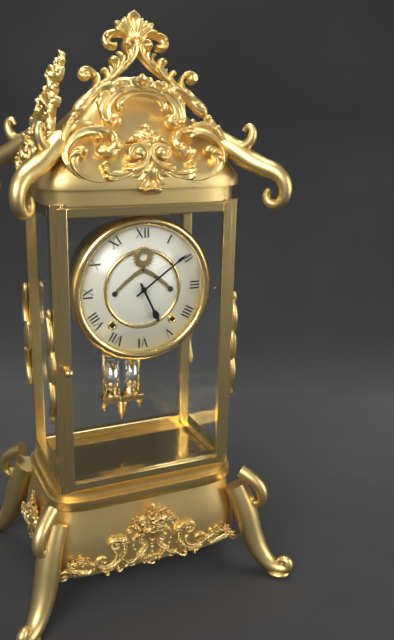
5:09
